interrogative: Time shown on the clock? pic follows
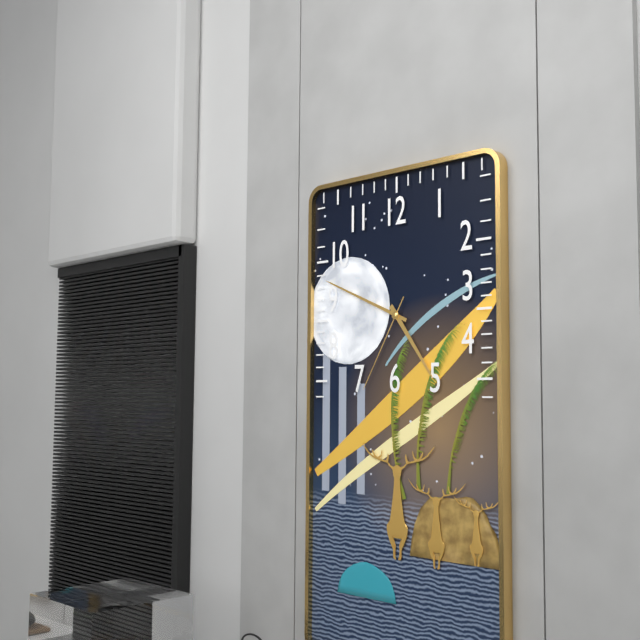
4:49:35
